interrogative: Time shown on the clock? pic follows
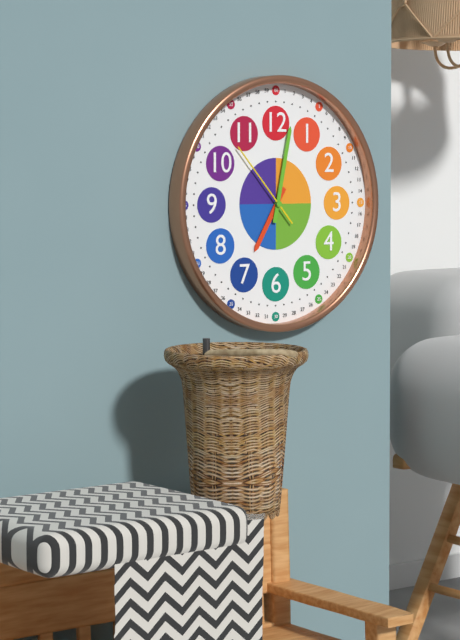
7:02:53
